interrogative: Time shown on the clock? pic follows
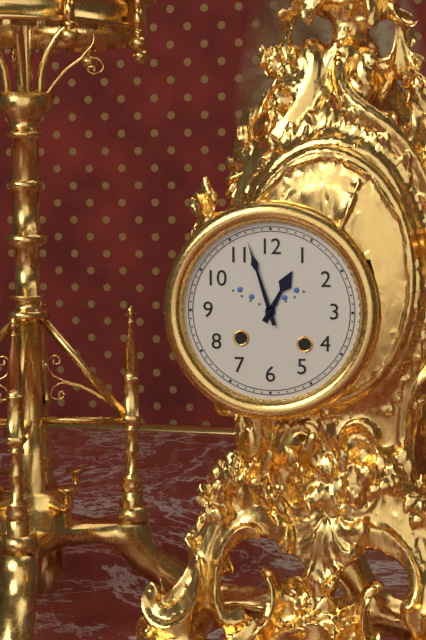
12:57
